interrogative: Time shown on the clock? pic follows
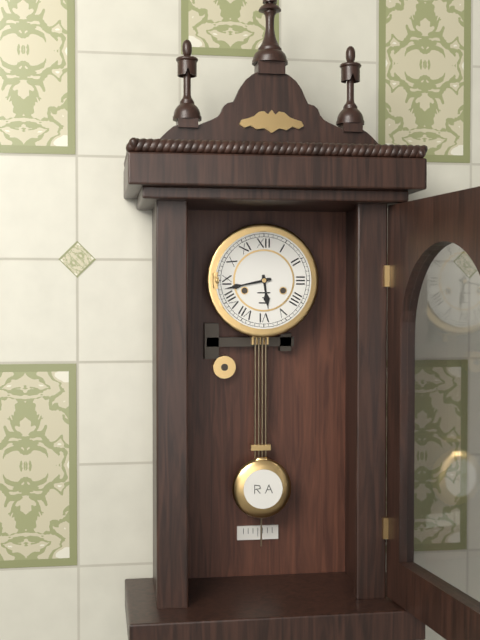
5:43
